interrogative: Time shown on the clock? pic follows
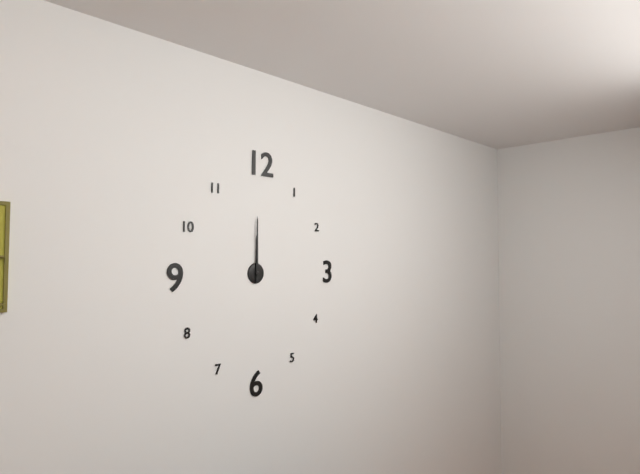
12:00
